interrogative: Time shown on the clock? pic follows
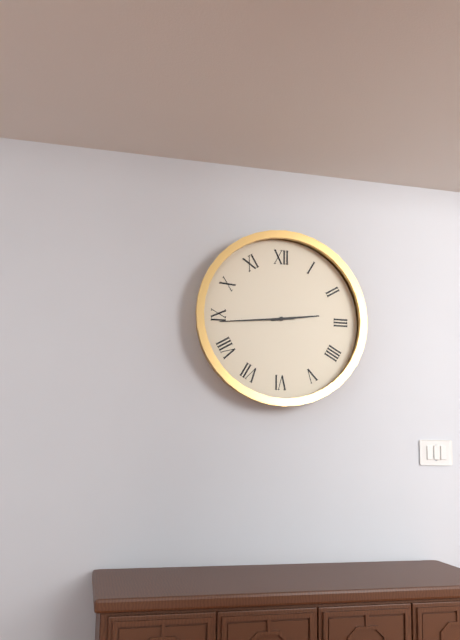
2:44
